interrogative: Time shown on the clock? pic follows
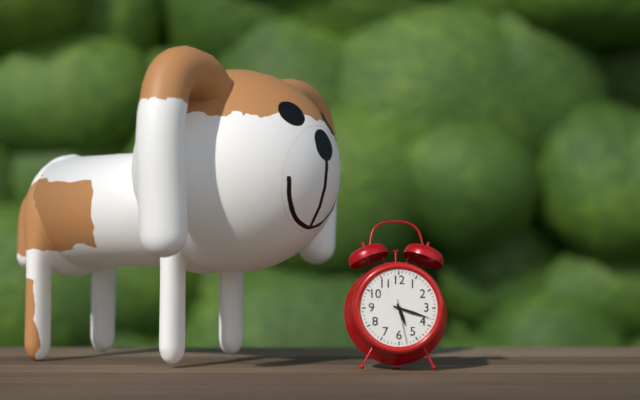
5:18
